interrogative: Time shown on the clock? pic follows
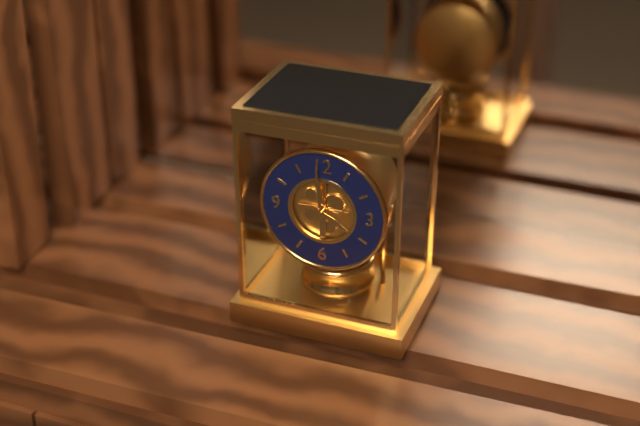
3:59
